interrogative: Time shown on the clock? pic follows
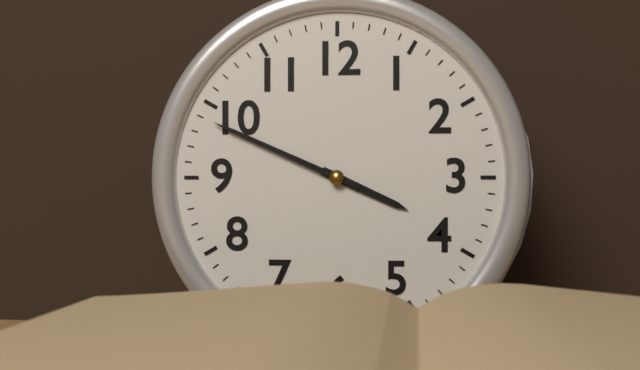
3:49
